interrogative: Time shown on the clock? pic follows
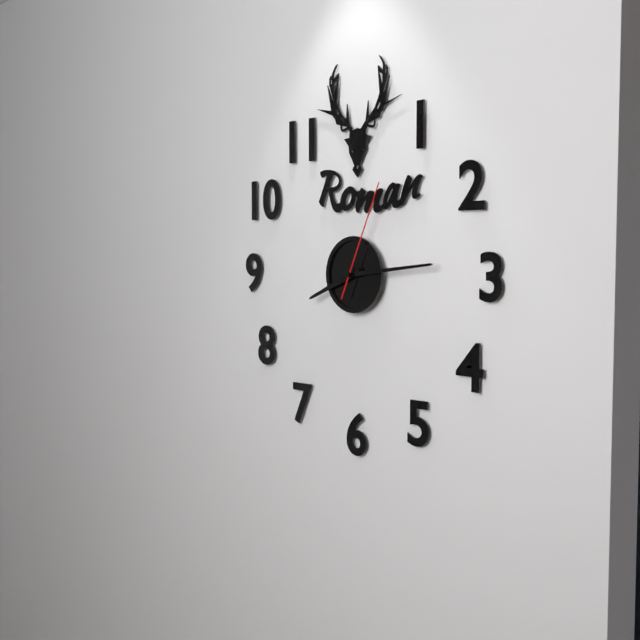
8:14:04
